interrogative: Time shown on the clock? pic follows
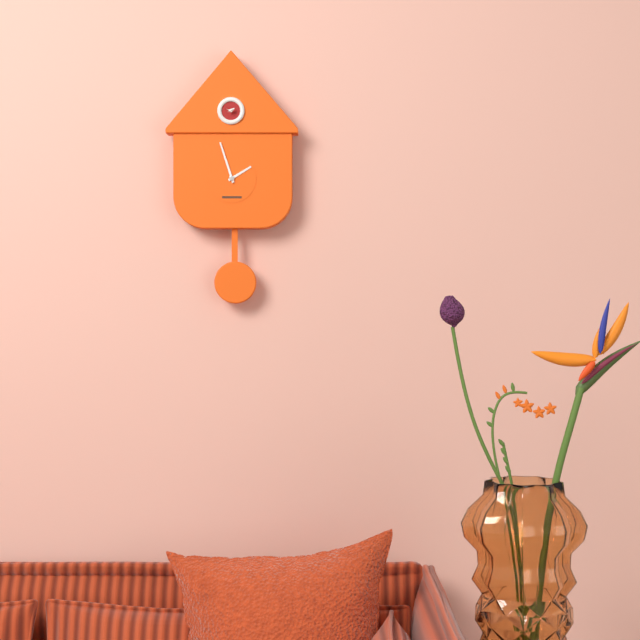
1:57
